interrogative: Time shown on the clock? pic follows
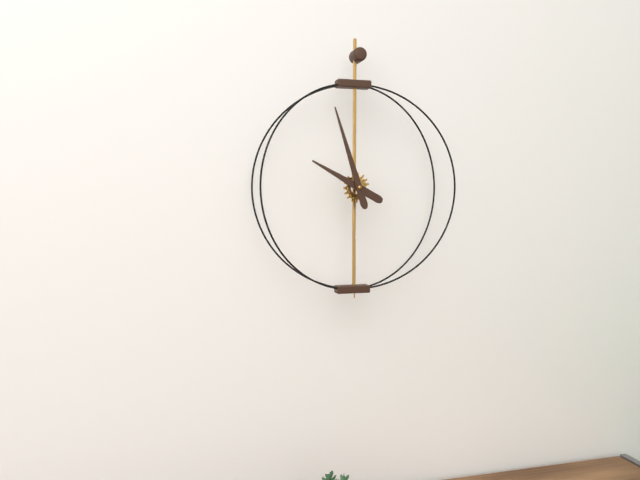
9:57
